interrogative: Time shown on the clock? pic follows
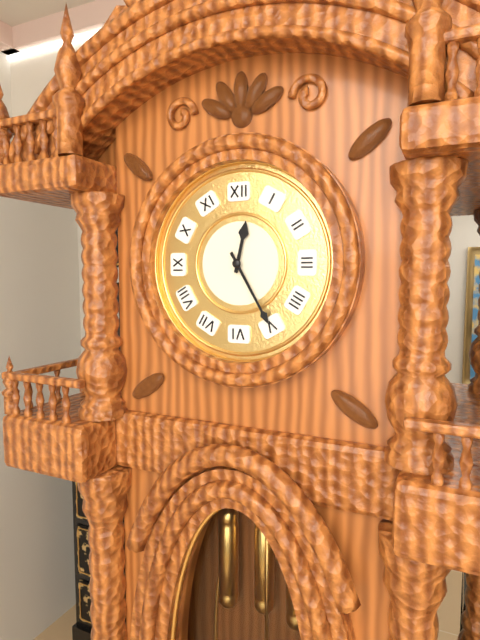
12:25
